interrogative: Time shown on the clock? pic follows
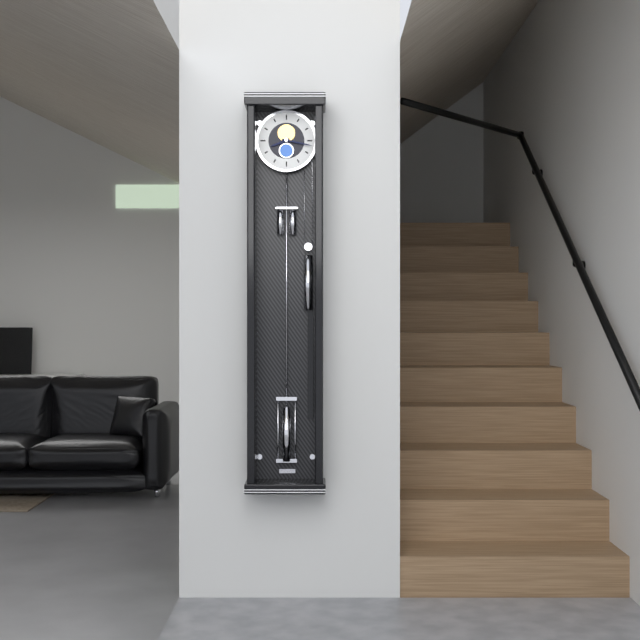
8:17
